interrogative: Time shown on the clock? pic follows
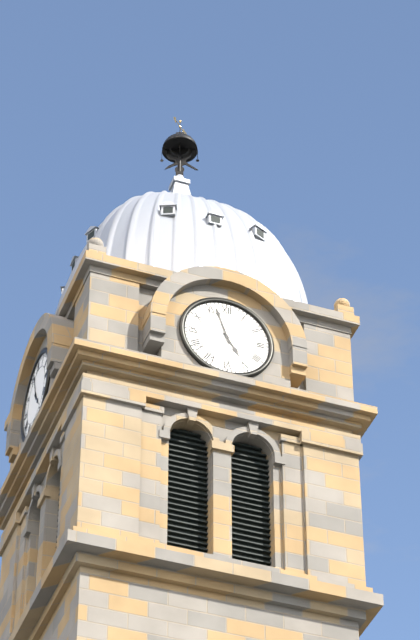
4:57
